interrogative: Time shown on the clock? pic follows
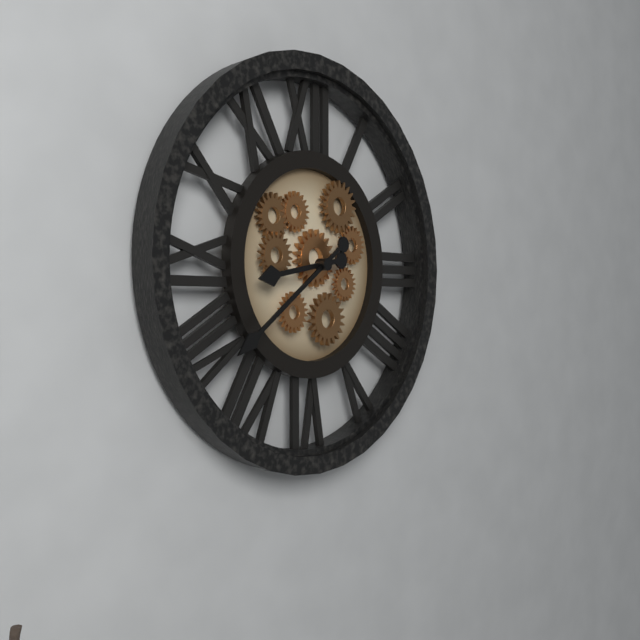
8:39
